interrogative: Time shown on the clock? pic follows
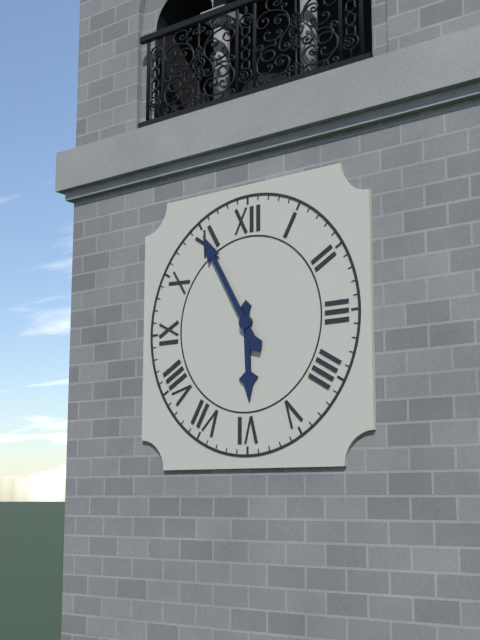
5:55
